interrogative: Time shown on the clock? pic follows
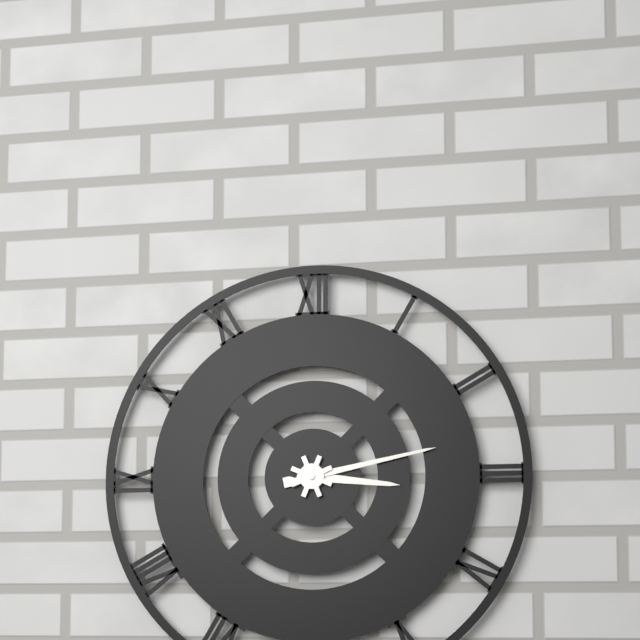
3:13
